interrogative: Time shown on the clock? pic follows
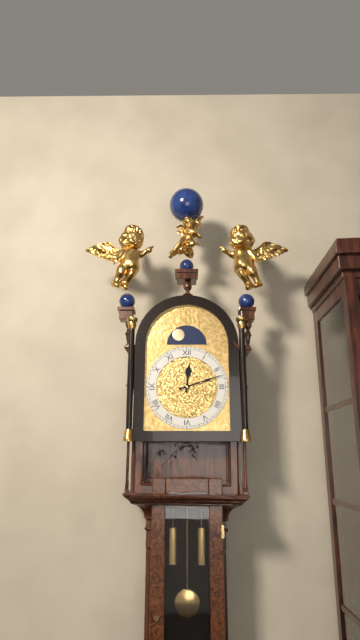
12:12
